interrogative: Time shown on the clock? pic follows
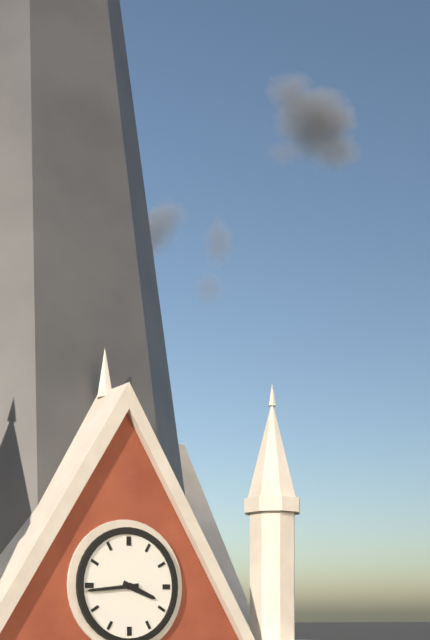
3:44
